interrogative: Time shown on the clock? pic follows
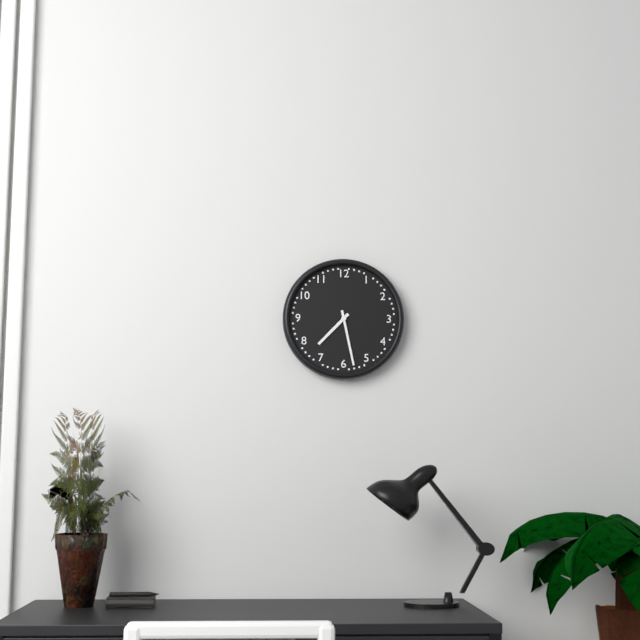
7:28
